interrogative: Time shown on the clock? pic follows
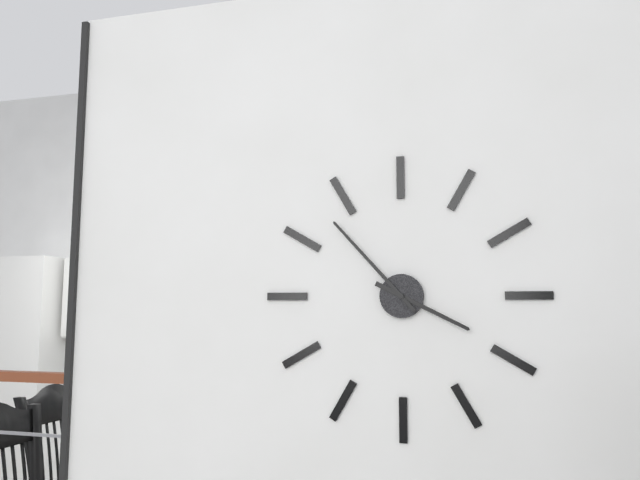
3:53
